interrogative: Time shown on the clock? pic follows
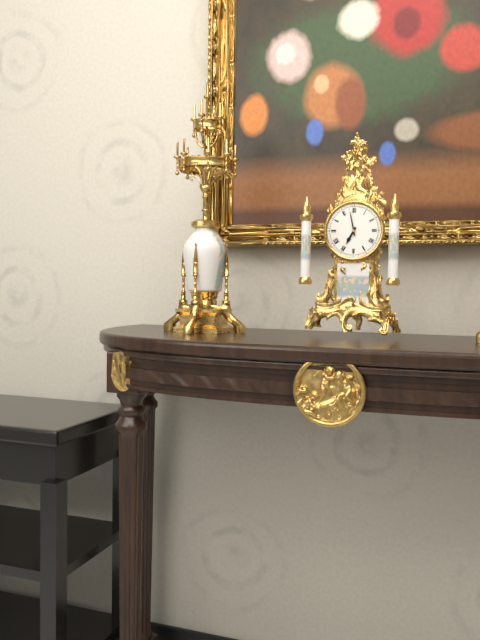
6:58
